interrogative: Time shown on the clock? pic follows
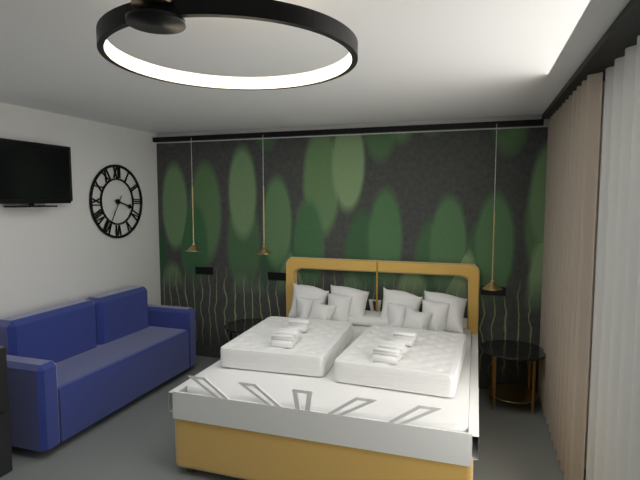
3:35
